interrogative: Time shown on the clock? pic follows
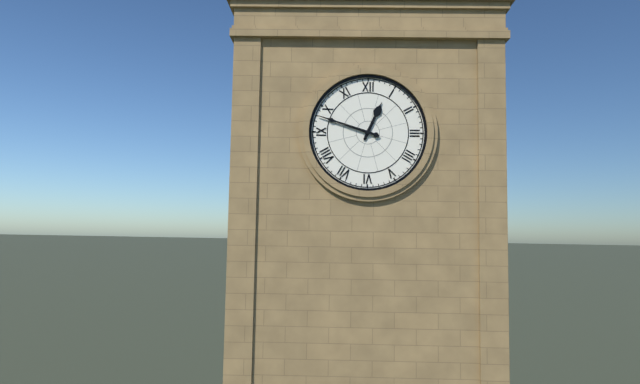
12:48
